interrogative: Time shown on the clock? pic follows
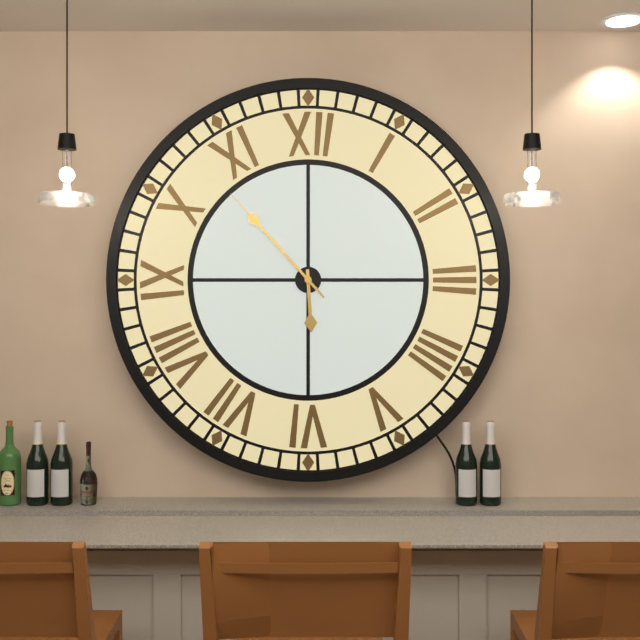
5:53:53
